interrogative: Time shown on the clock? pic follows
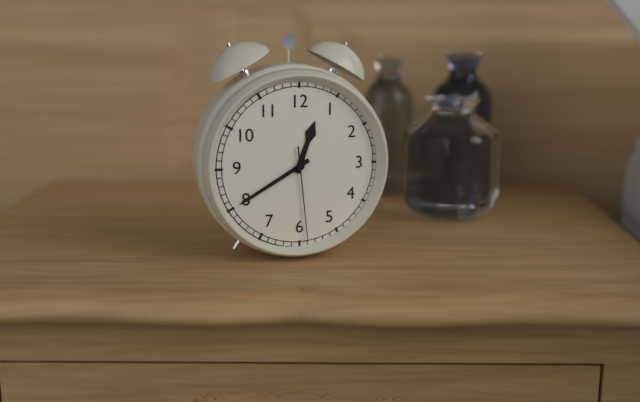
12:40:29
